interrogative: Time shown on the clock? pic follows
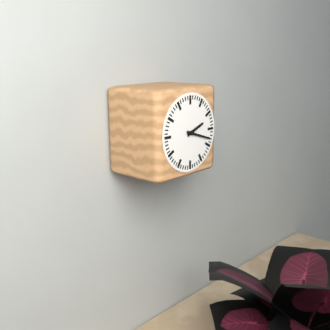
2:18
